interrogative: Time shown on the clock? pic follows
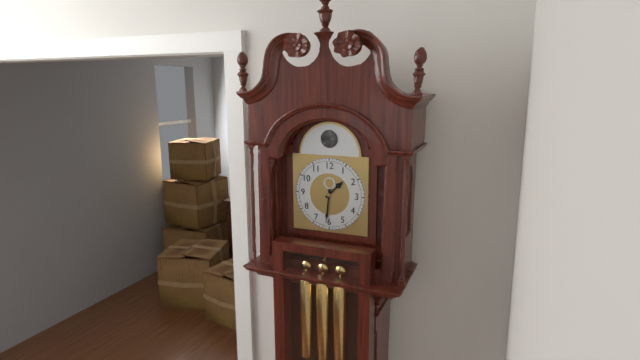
1:31
